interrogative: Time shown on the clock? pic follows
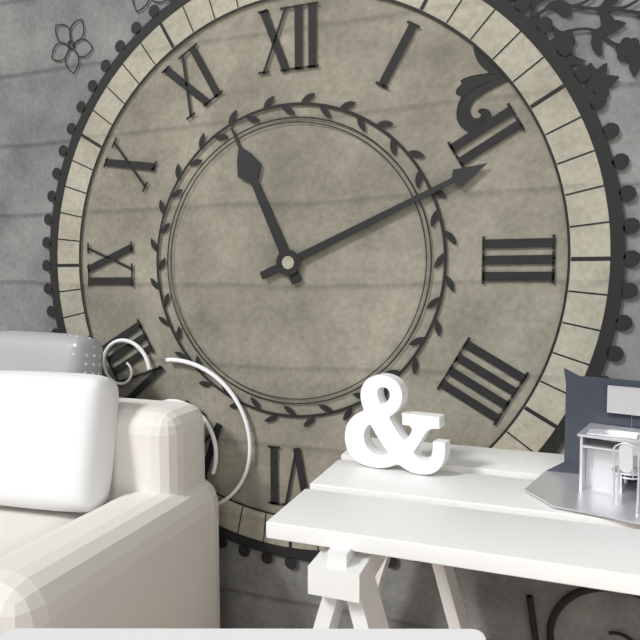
11:11
